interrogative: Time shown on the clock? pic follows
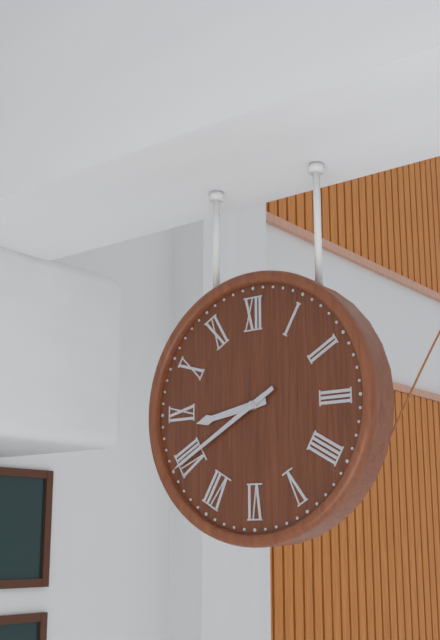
8:40
